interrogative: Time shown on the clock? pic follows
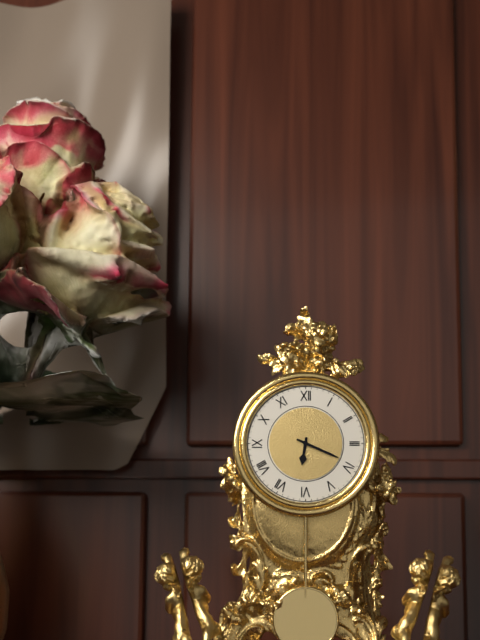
6:19
